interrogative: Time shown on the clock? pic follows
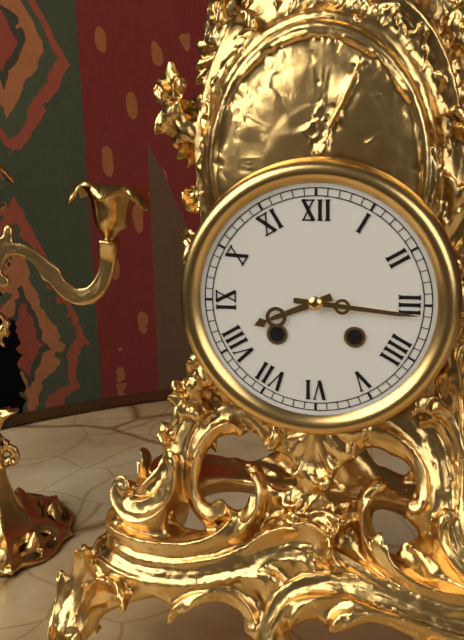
8:16
